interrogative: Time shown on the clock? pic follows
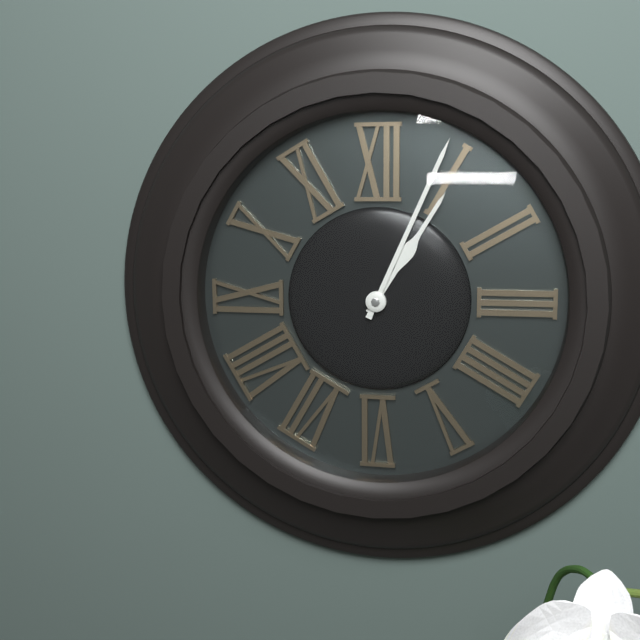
1:04
